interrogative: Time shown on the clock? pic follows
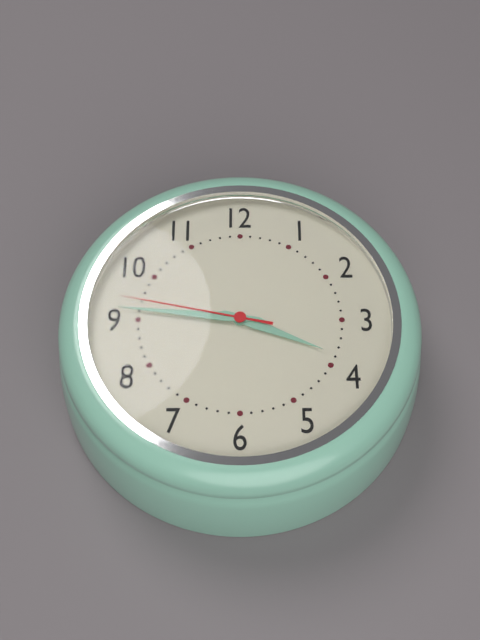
3:46:47
